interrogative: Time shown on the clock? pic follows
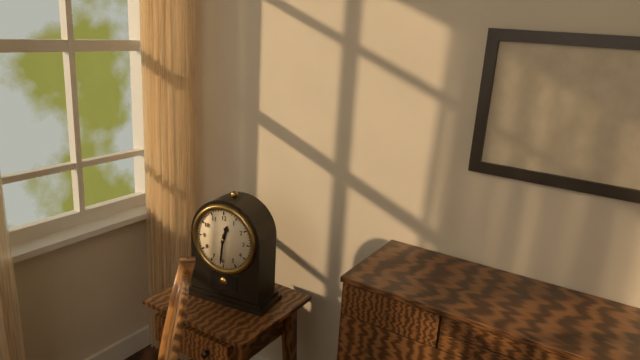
12:31
